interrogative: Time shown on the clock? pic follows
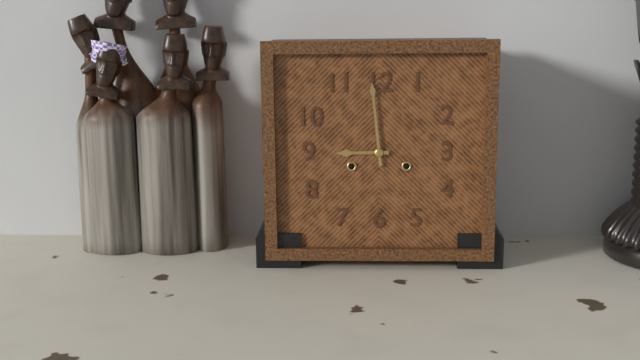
8:59
